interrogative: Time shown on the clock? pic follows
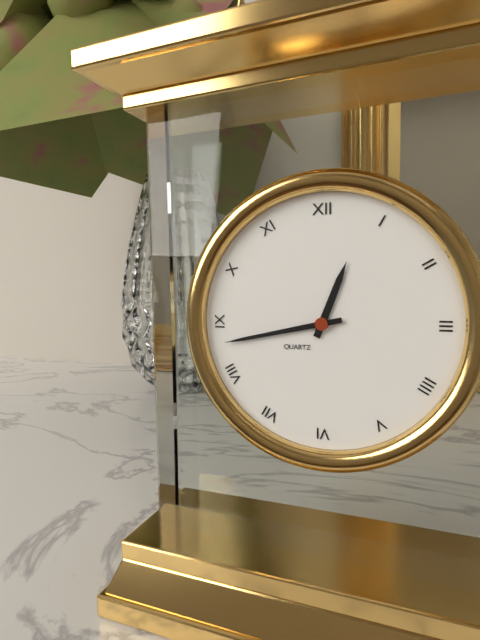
12:43
